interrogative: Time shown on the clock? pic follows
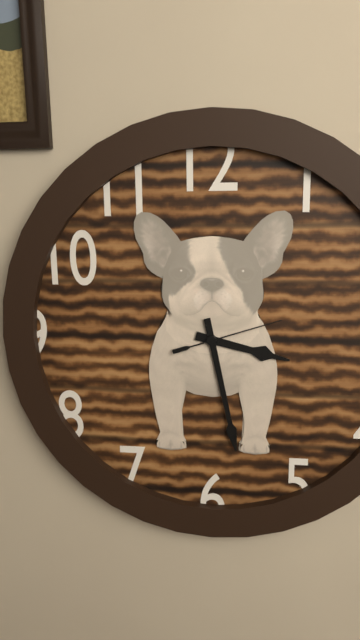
3:28:12
